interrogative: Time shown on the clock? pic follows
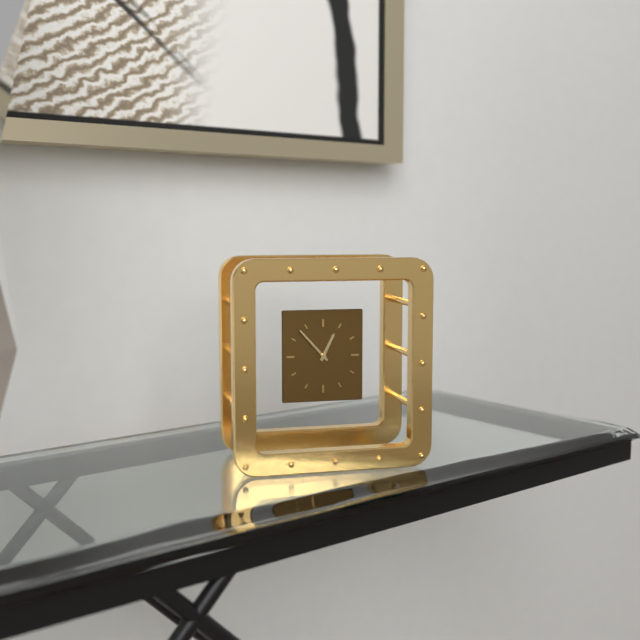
12:53
